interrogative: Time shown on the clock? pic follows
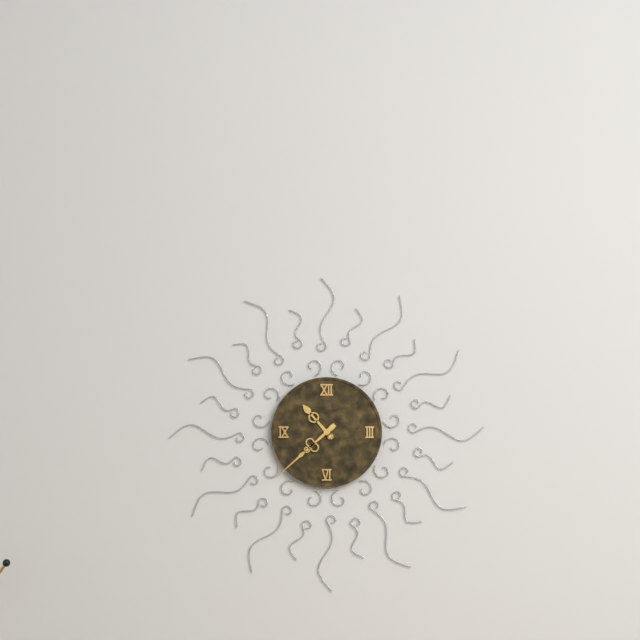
10:38
